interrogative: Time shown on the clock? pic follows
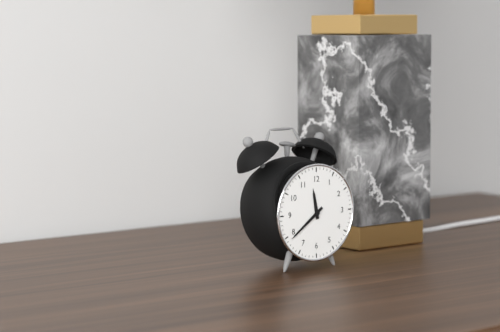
11:39
